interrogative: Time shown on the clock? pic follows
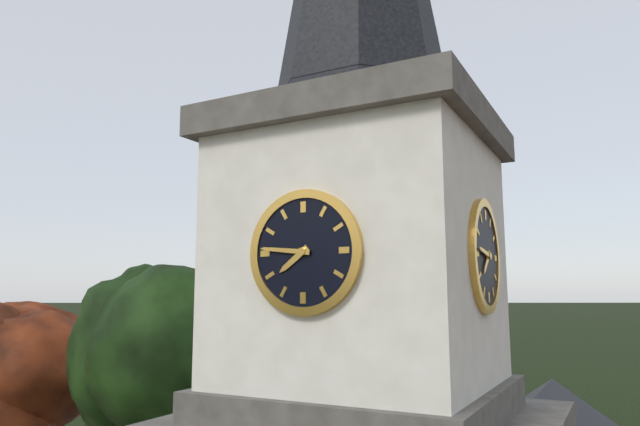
7:46
